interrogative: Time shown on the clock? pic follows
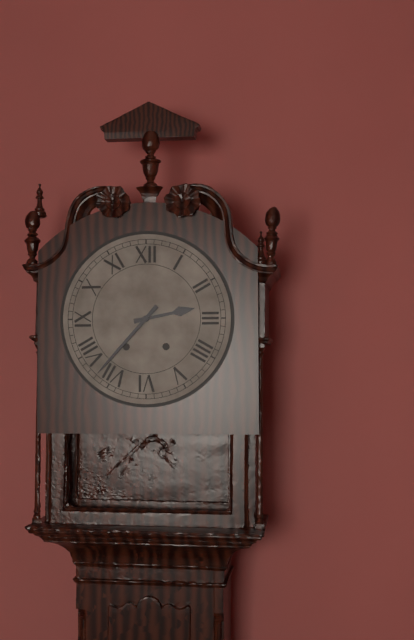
2:37
